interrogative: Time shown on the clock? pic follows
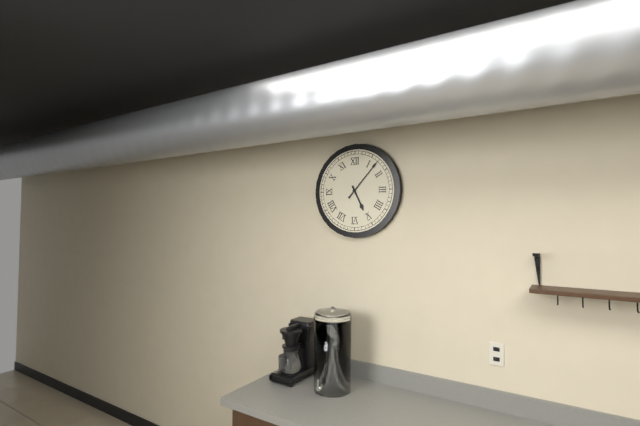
5:07
